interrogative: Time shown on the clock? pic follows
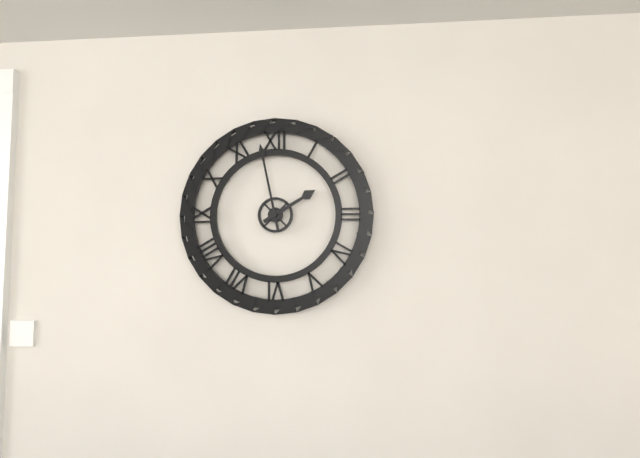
1:58
